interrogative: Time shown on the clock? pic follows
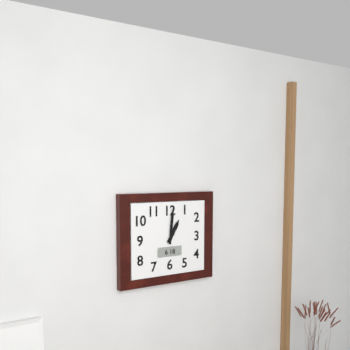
1:01
